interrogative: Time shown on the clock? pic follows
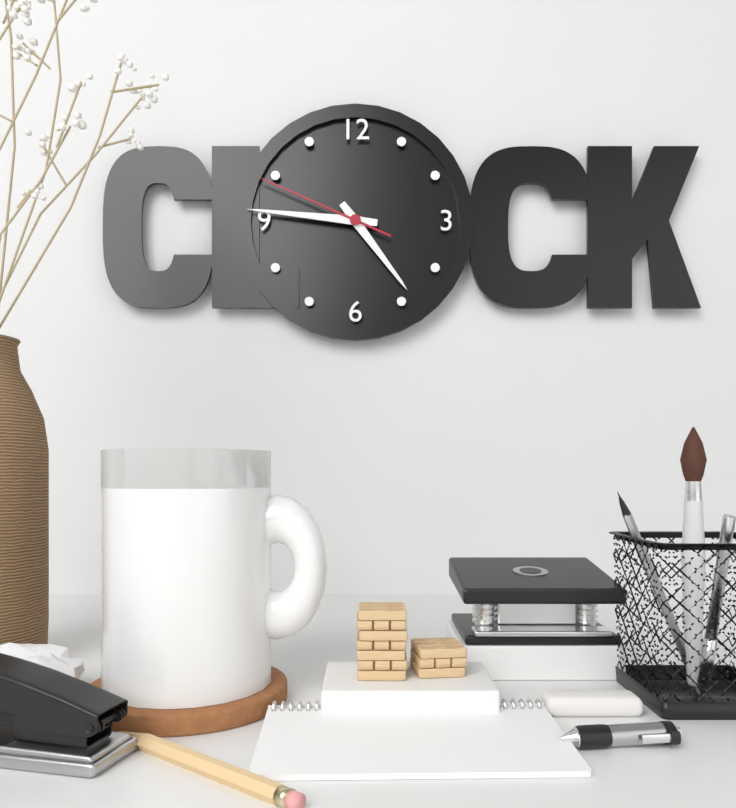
4:46:49
